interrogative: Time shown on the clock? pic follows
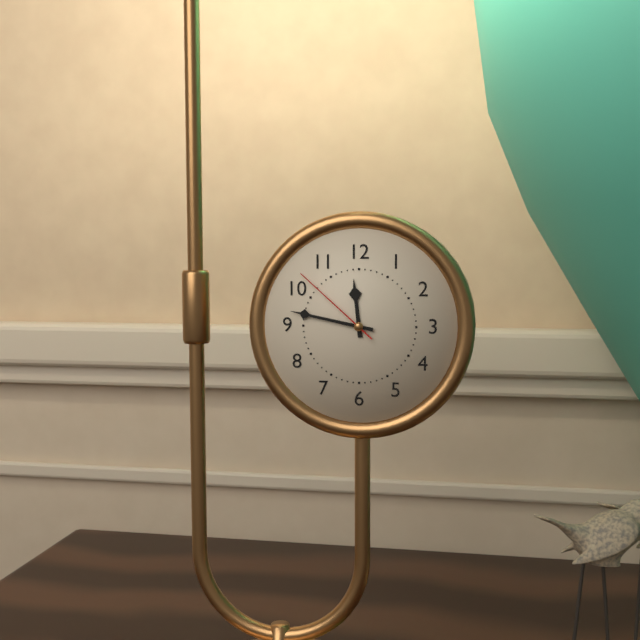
11:47:52
